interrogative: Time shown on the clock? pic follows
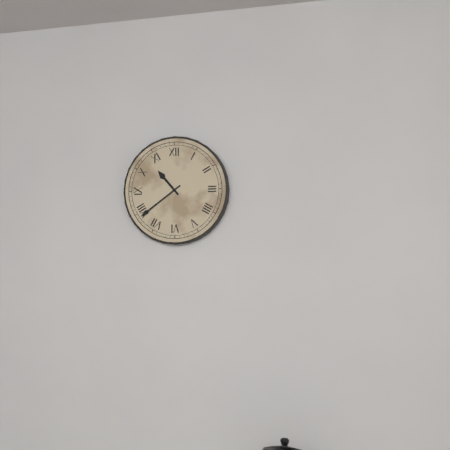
10:39
